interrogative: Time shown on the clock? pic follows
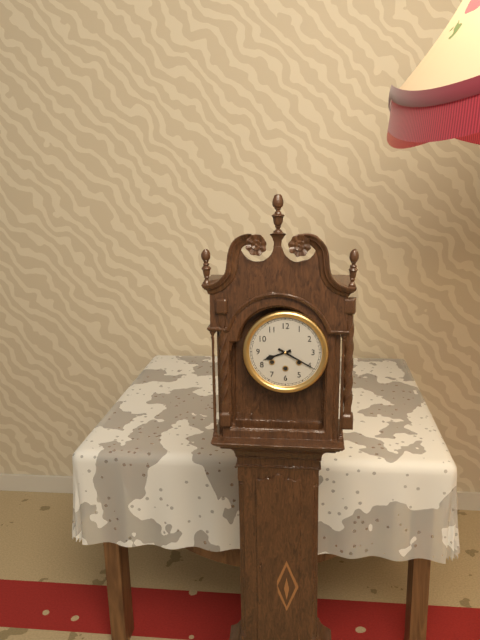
8:20
